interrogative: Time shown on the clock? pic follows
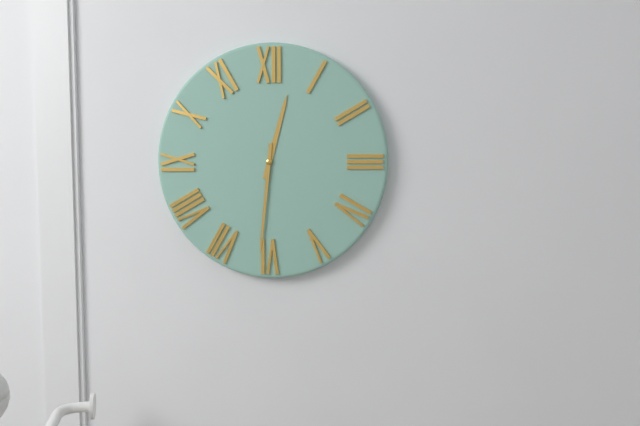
12:31
